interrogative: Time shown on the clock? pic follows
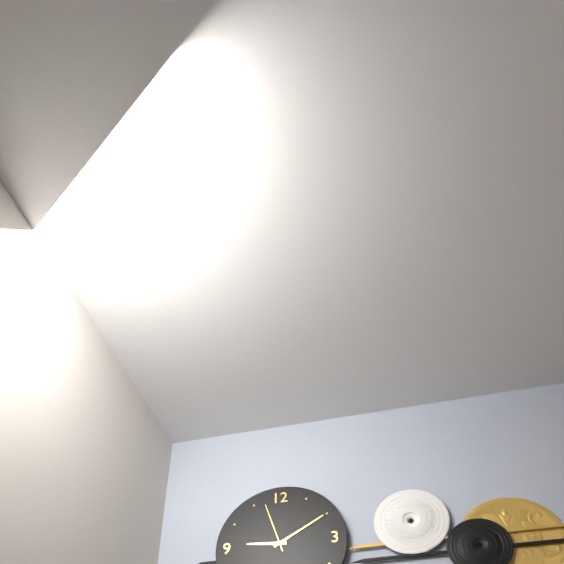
9:10:57
